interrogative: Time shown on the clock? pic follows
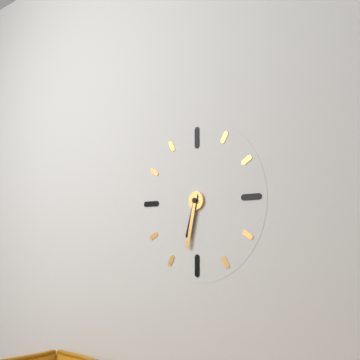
6:32
